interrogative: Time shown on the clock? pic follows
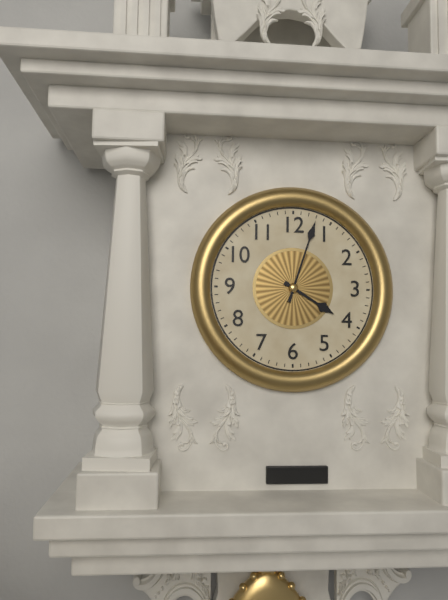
4:03
